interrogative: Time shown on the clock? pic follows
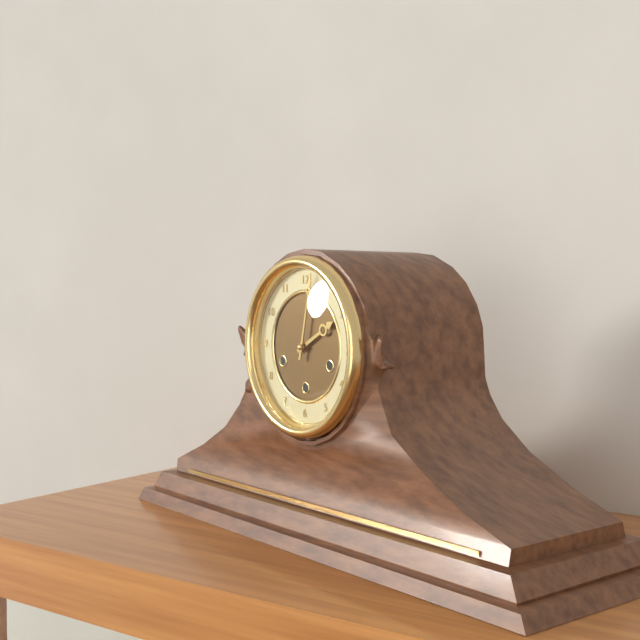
2:02
